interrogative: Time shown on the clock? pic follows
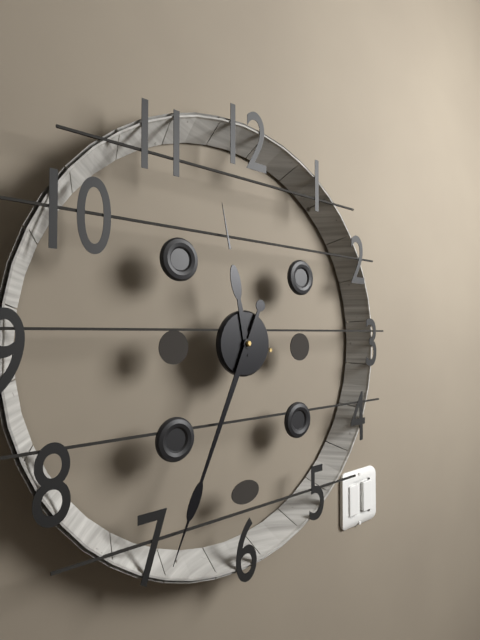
11:34
